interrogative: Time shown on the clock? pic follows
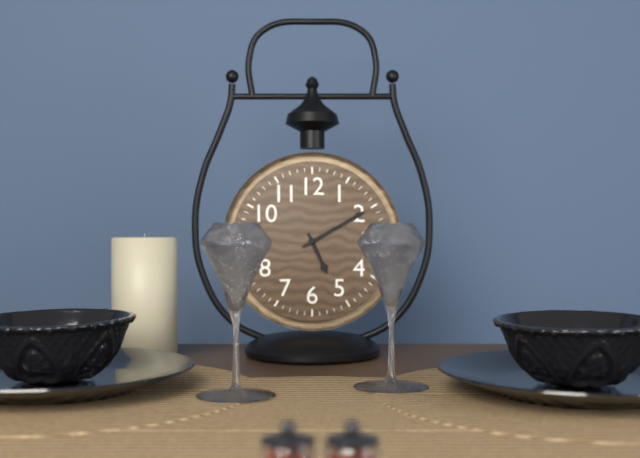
5:10
